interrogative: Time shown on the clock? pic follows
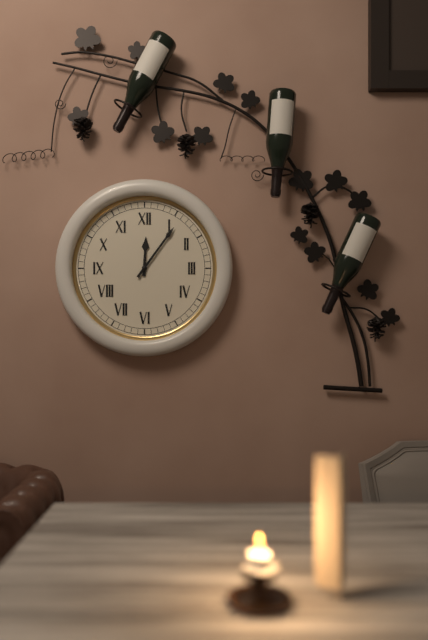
12:06
